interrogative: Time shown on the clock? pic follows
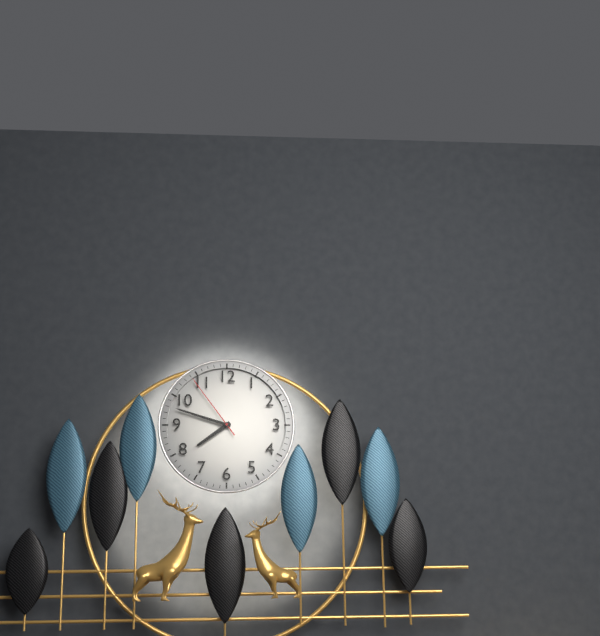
7:48:54
